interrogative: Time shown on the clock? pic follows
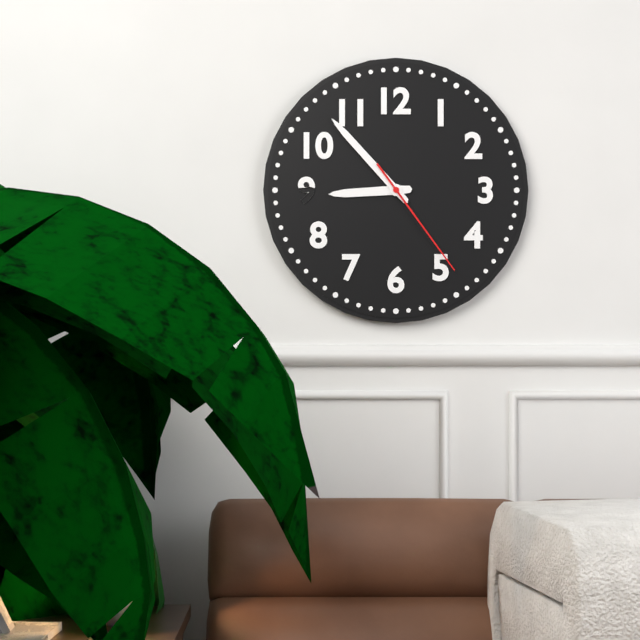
8:53:24
